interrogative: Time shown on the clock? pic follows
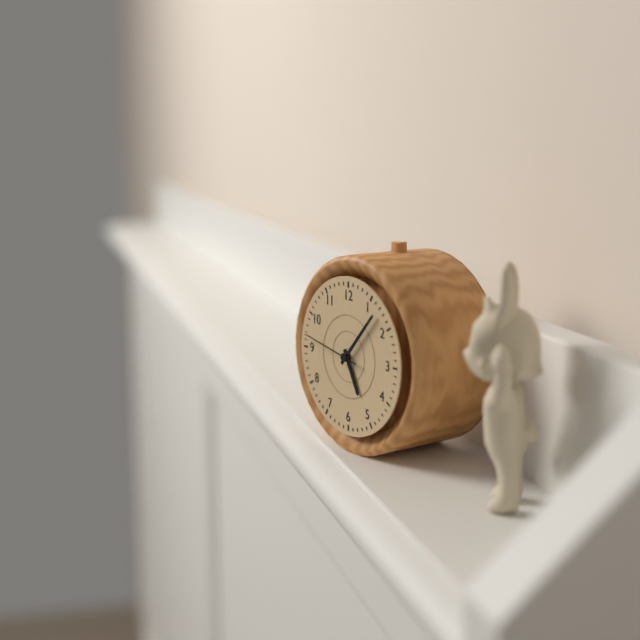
5:07:47
